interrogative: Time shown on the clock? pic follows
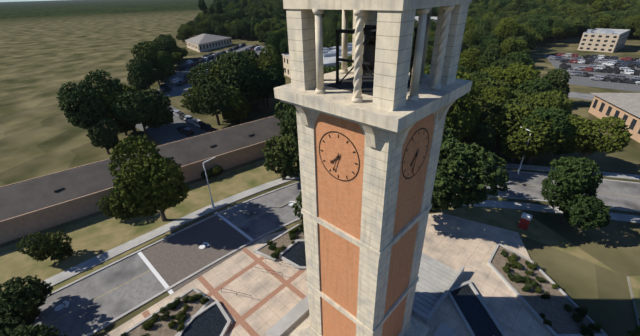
7:33
